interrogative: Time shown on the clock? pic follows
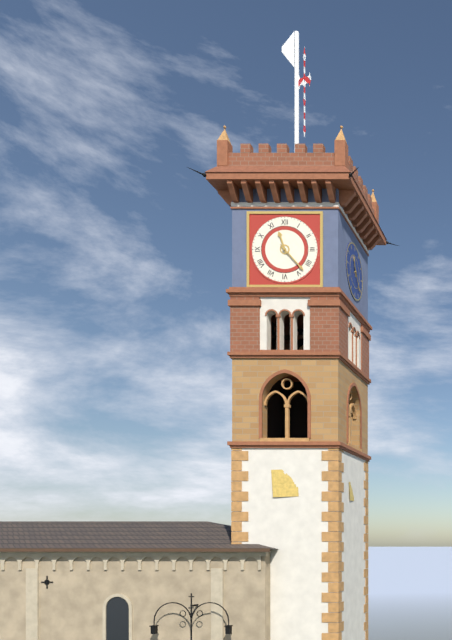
11:23
